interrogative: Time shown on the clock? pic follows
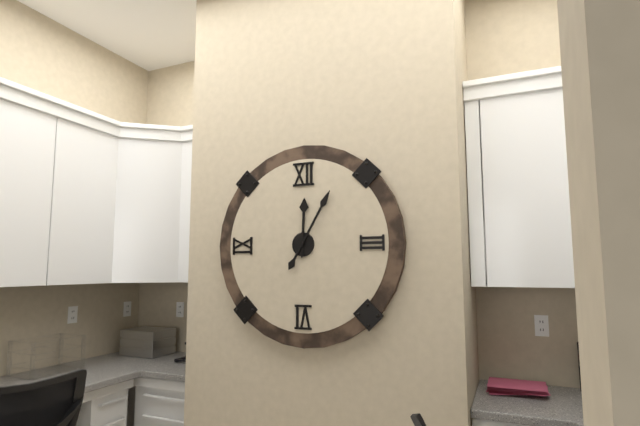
12:05
